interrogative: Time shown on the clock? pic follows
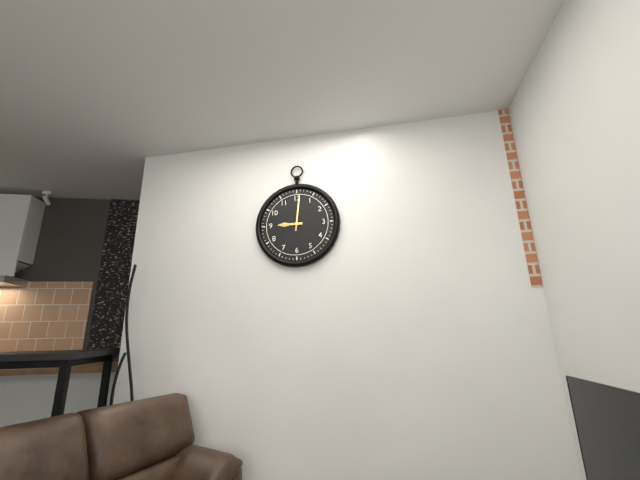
9:01
